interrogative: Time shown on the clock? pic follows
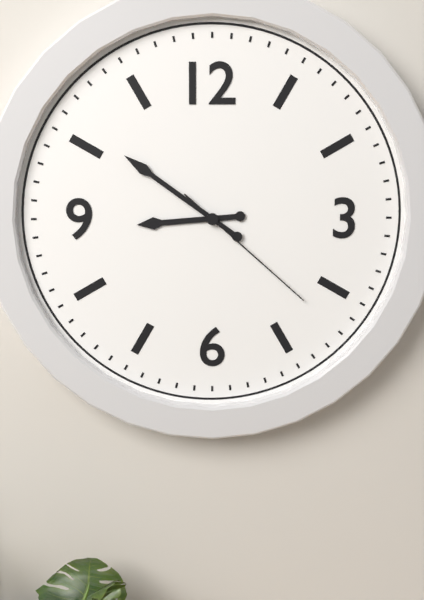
8:51:22
